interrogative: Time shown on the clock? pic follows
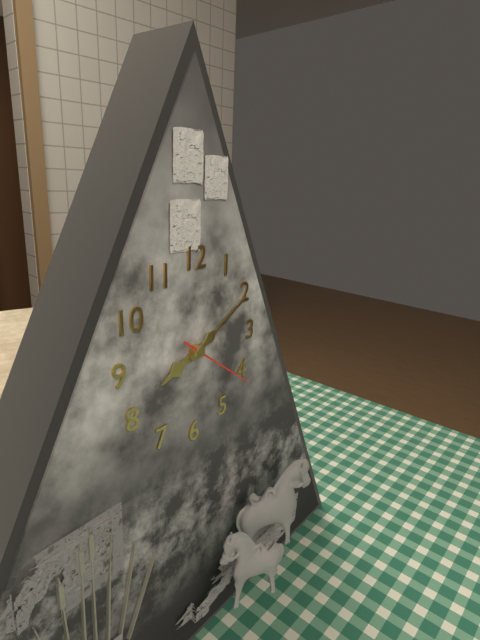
8:10:21
